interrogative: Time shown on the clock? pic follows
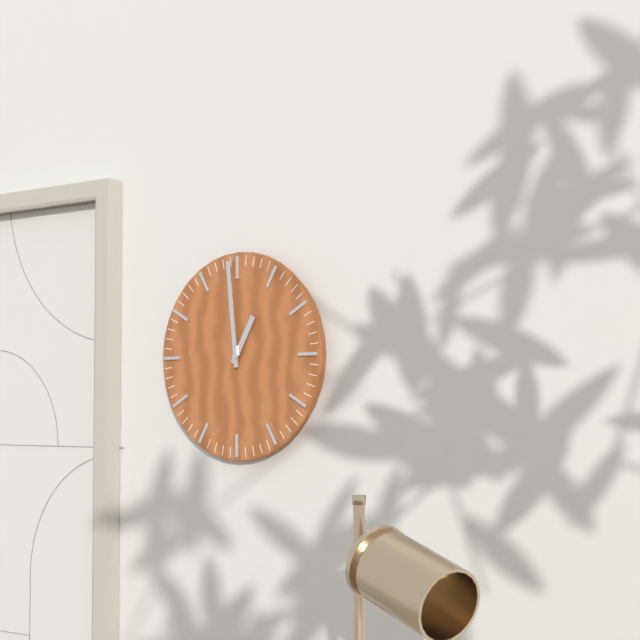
12:59
